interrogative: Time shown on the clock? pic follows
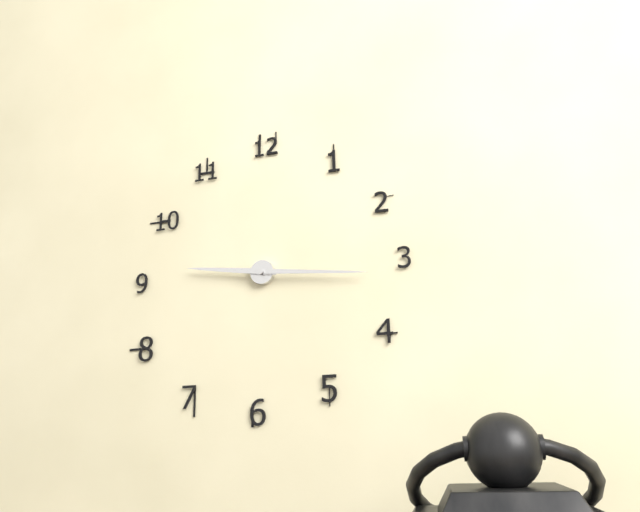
9:16
